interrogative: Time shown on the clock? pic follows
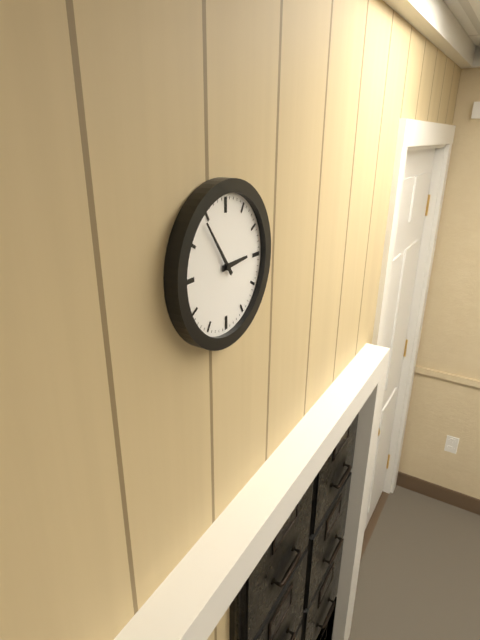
2:54
